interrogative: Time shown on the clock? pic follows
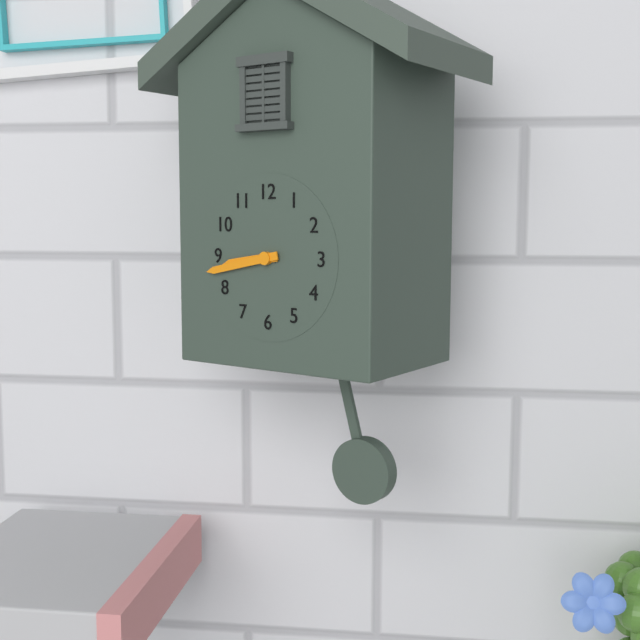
8:43
